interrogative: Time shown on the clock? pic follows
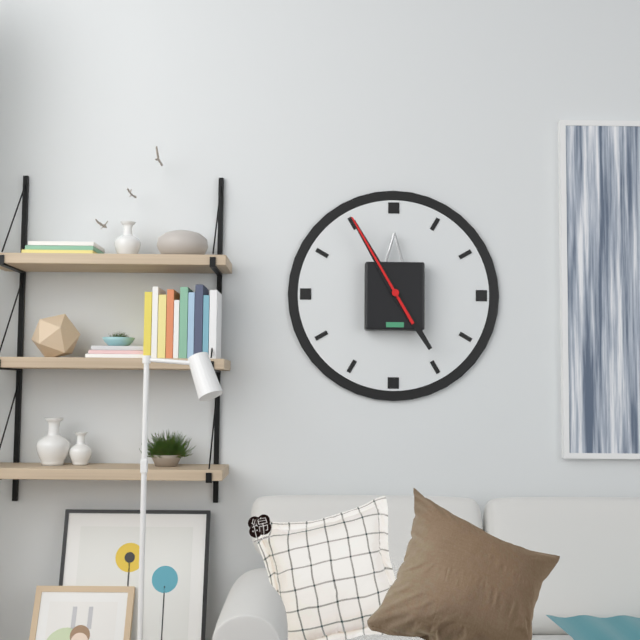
4:55:55
